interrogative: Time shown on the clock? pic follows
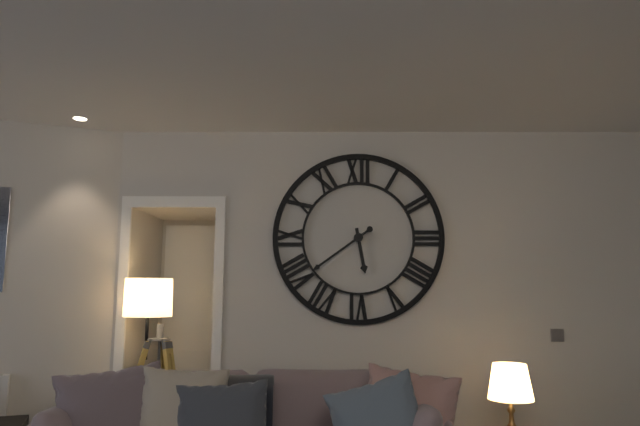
5:39
